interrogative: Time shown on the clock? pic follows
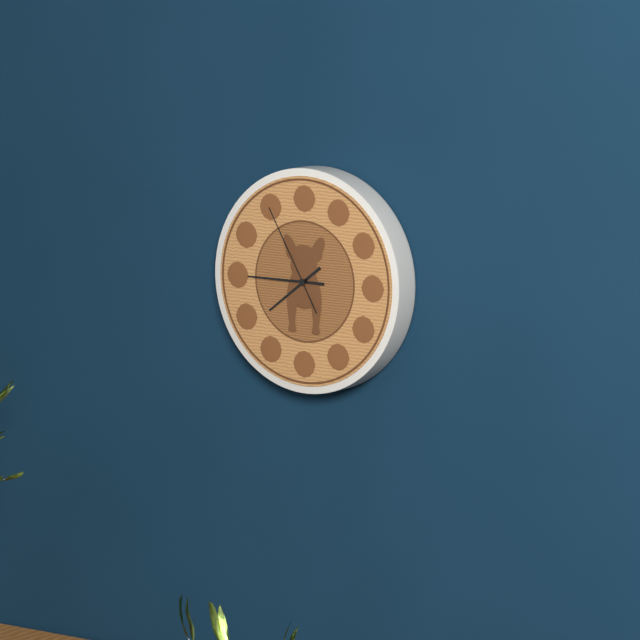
7:45:55
